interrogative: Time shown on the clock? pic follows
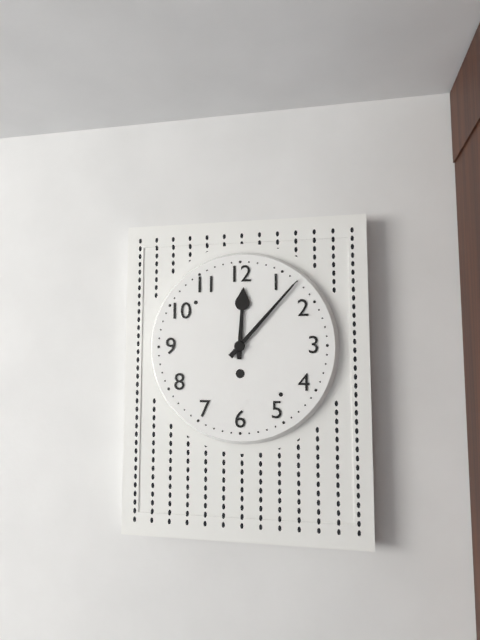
12:07
